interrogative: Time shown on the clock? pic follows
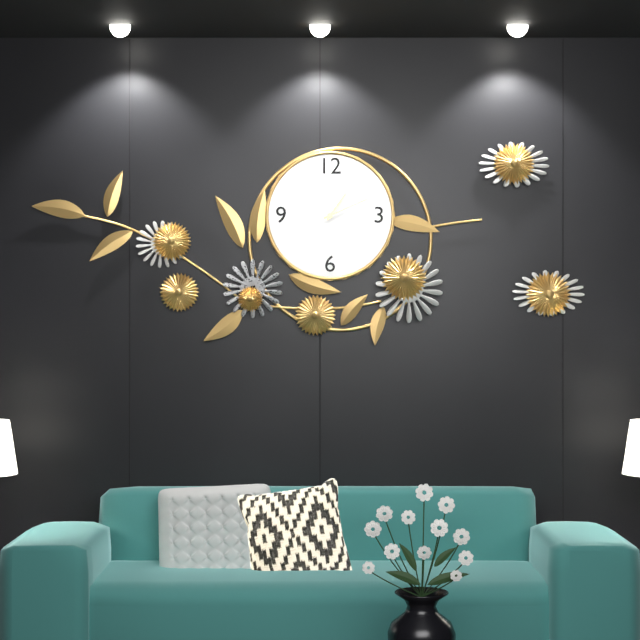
1:11
